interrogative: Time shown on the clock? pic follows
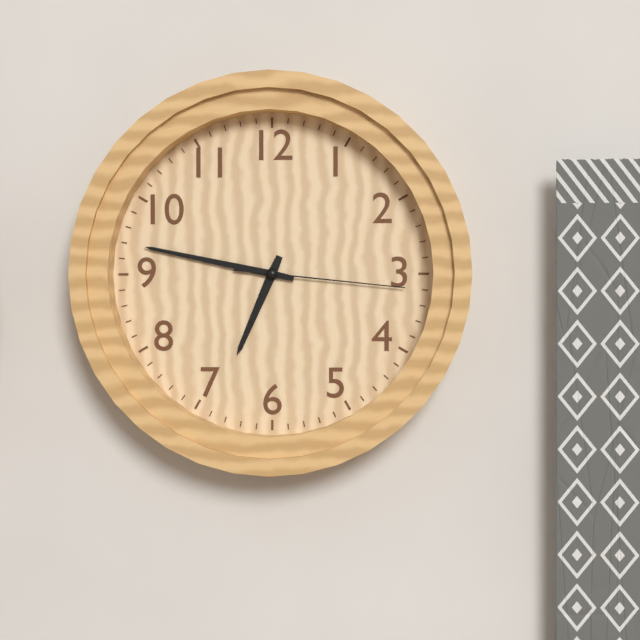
6:47:16
